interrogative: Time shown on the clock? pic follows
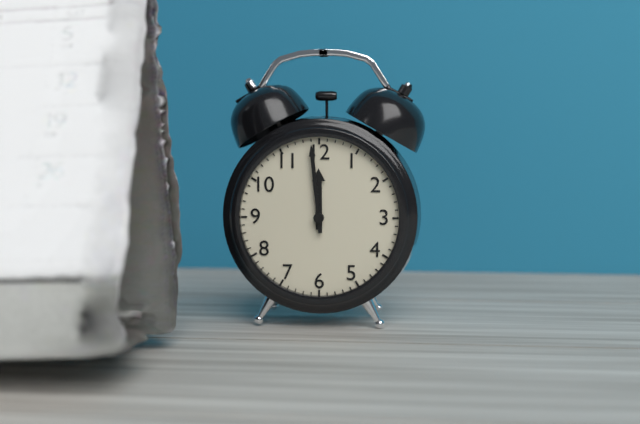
11:59
